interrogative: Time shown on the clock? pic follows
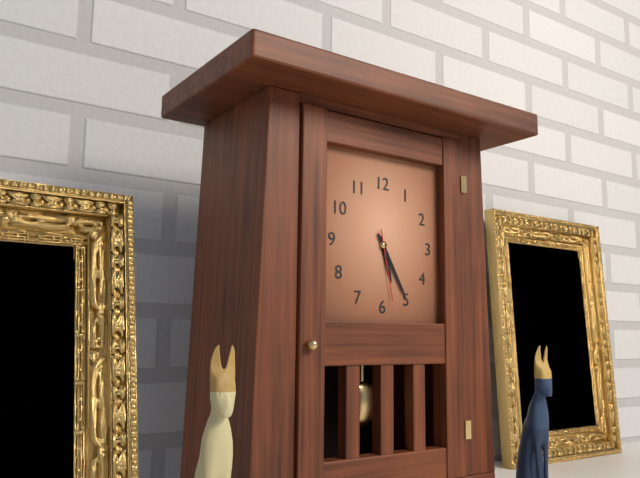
5:25:28
